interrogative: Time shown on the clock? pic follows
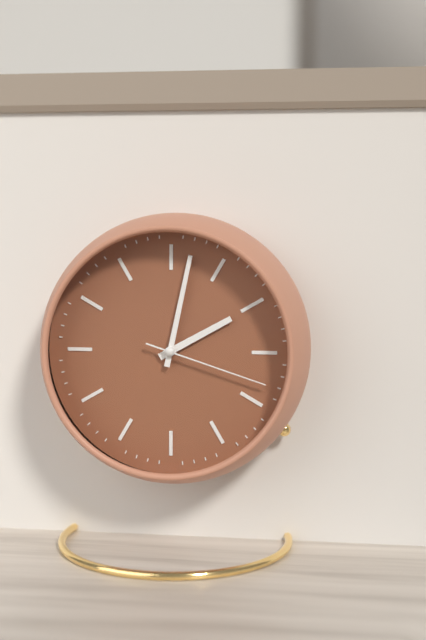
2:02:18
